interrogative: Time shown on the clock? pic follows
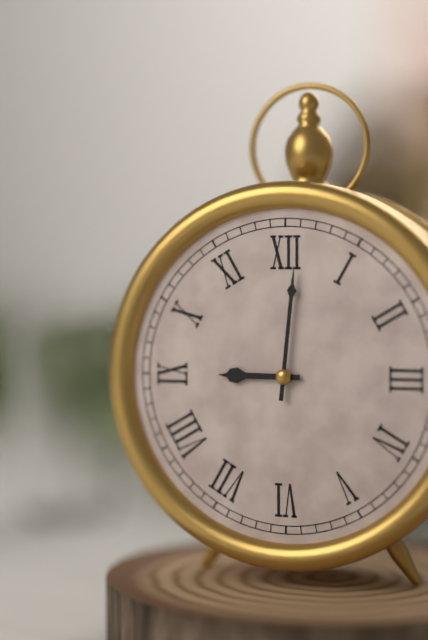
9:01
